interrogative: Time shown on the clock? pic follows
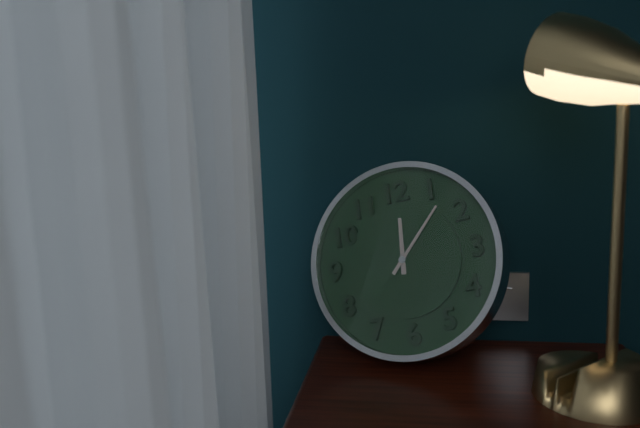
12:07
